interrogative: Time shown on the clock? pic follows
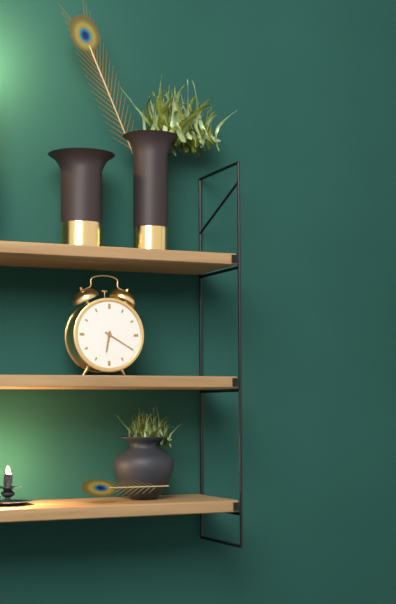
6:20
